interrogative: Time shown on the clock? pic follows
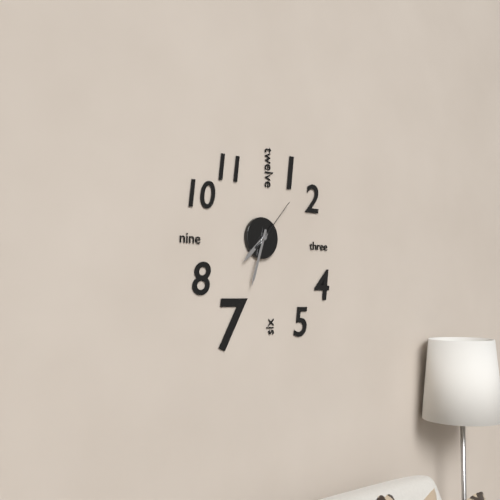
7:33:07
